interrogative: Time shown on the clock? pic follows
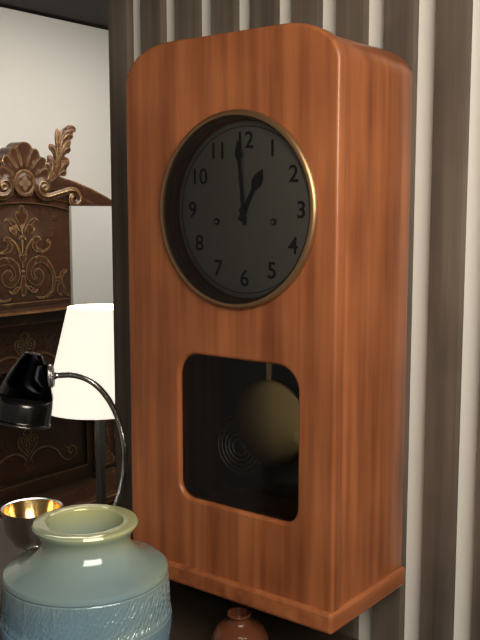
12:59
